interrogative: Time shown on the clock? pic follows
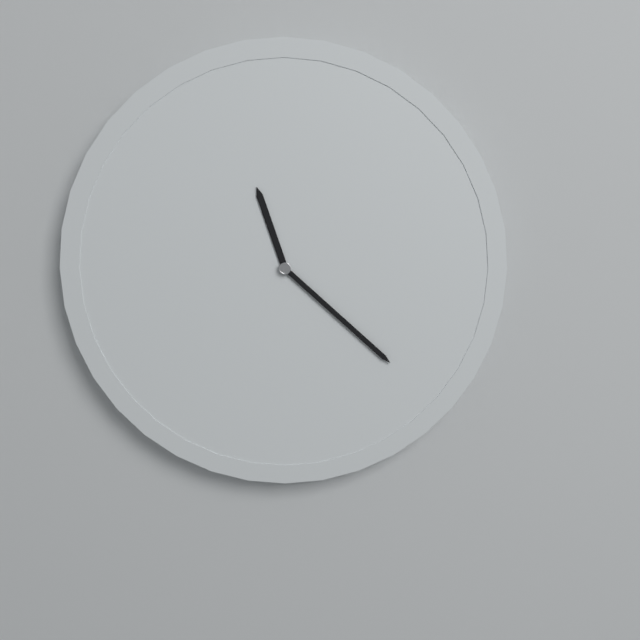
11:22
